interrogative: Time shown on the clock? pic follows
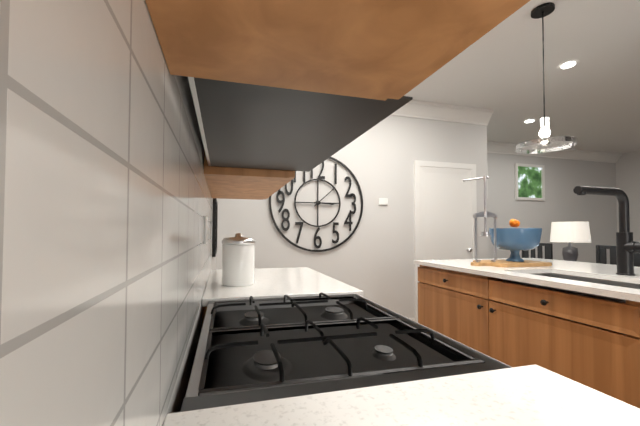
3:08
